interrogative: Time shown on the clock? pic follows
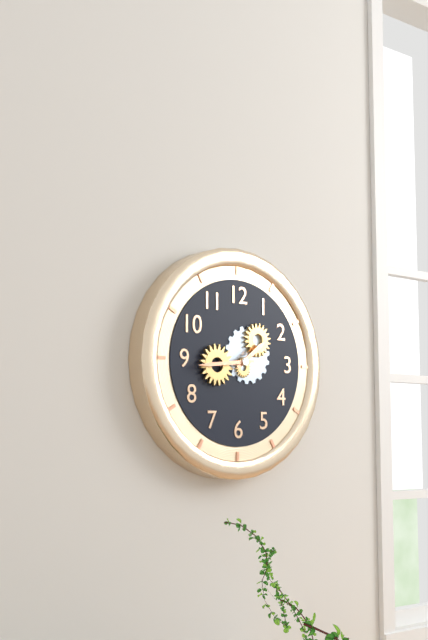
1:44
